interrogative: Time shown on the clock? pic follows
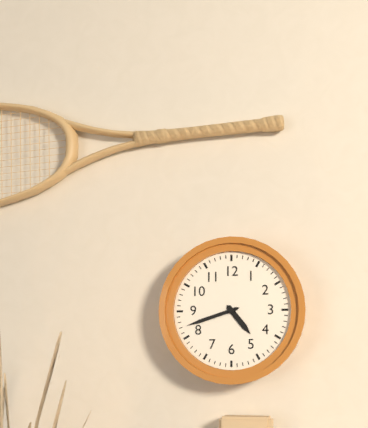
4:42
